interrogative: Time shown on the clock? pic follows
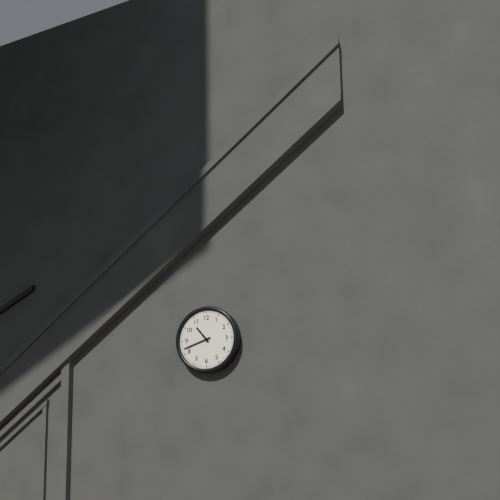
10:42
